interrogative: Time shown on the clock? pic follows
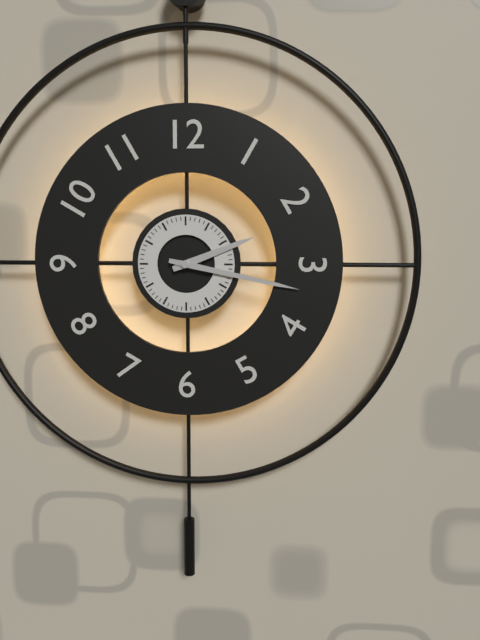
2:17
